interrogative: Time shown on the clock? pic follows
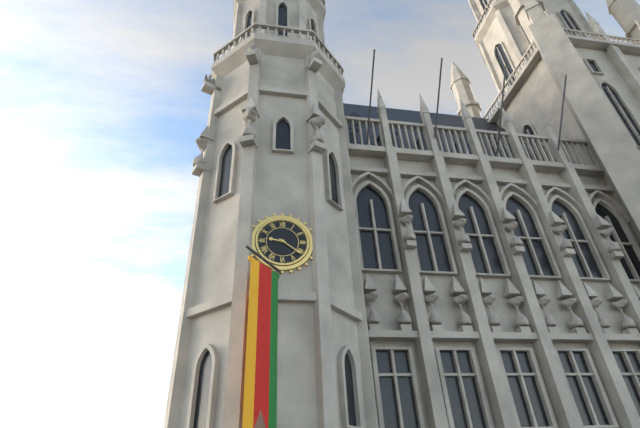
9:21
